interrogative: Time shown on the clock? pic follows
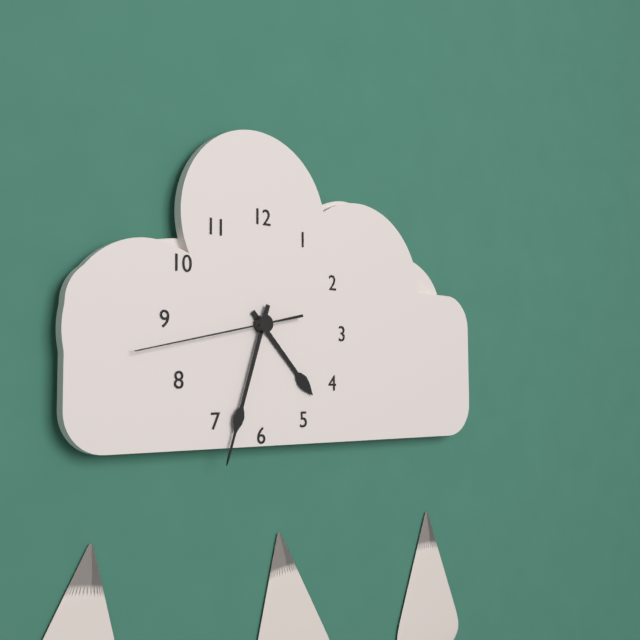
4:33:43
